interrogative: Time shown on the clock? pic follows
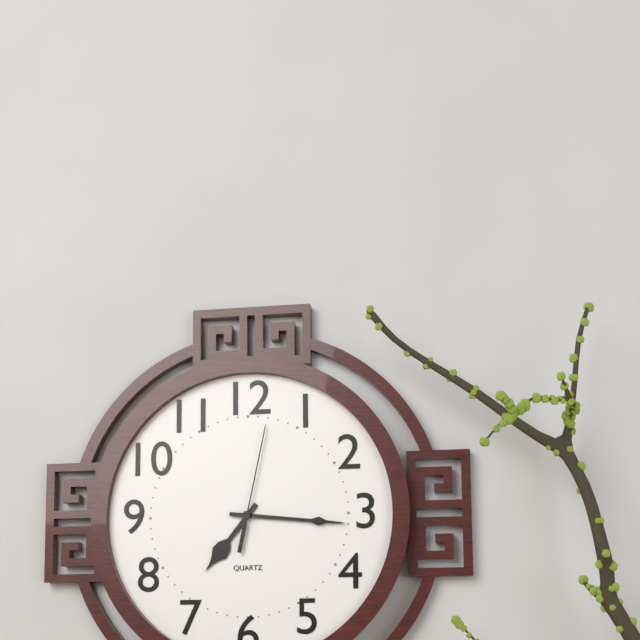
7:16:02
